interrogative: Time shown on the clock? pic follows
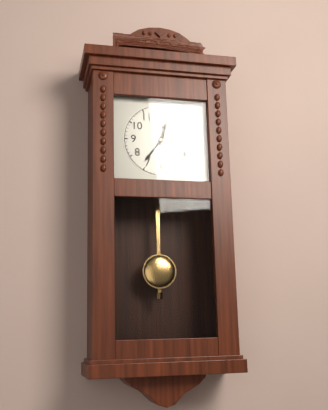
12:36
